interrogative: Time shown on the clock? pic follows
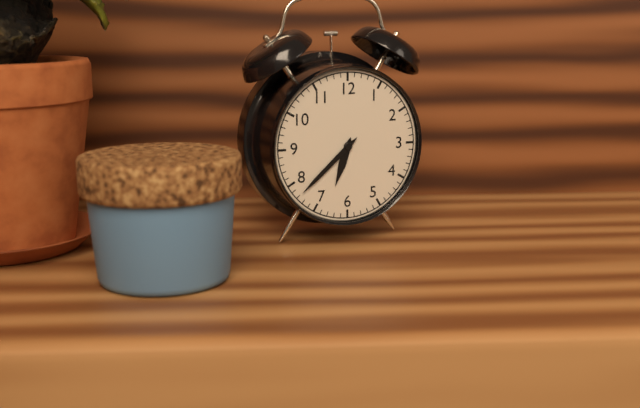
6:38
